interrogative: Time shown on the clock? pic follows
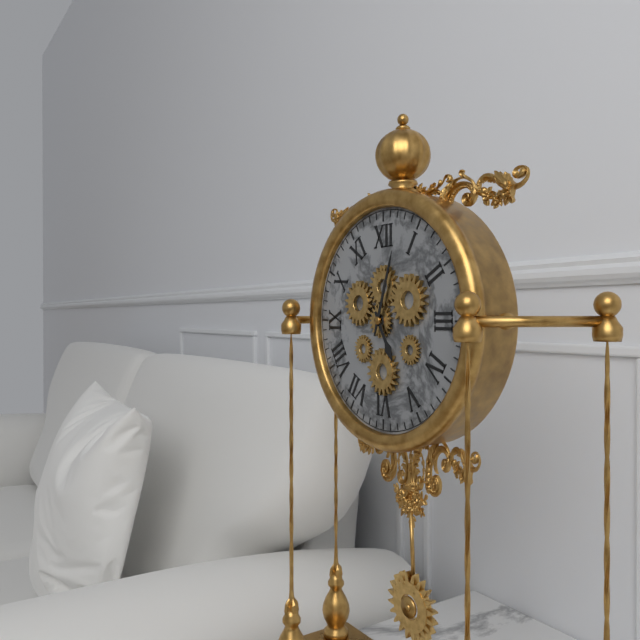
5:03
